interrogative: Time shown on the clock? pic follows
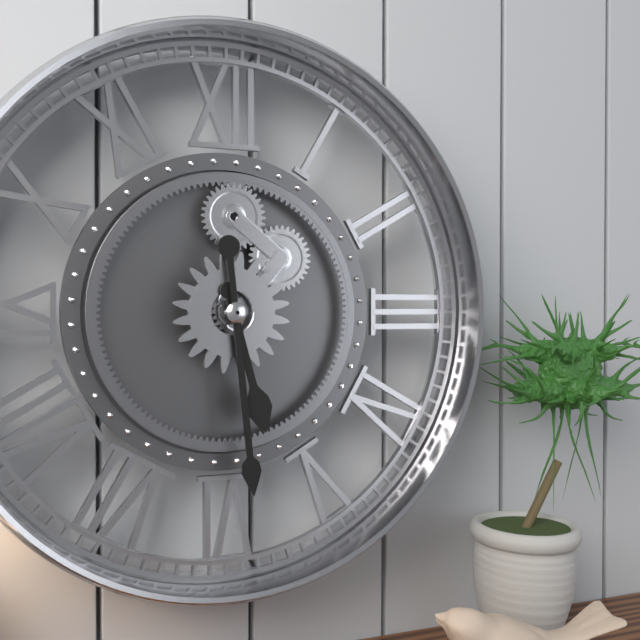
5:29
